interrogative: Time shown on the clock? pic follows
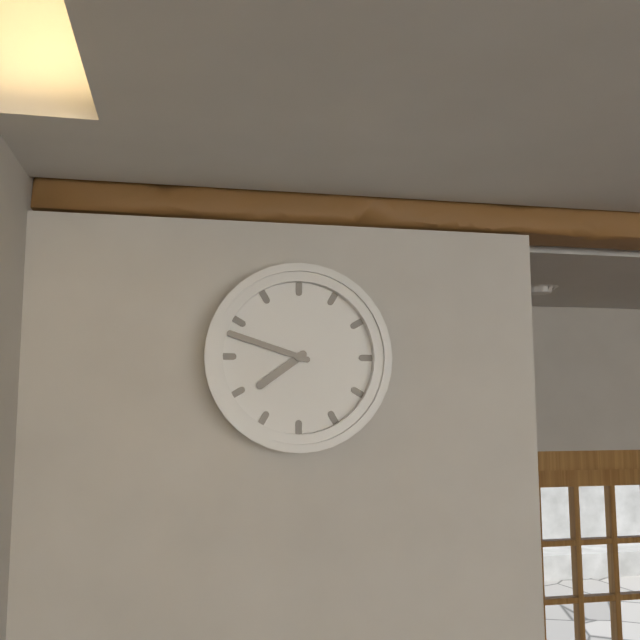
7:48
